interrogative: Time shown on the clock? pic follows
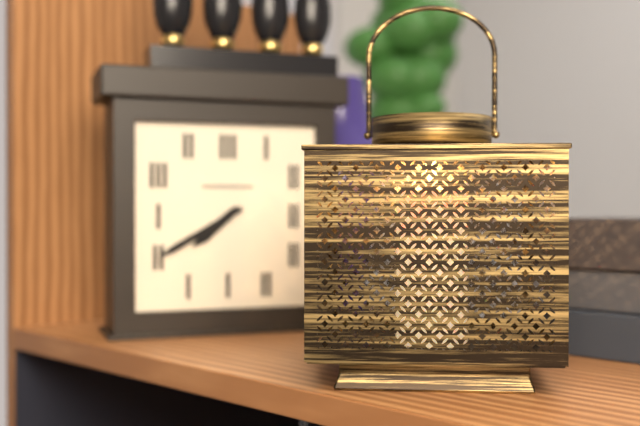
7:40
